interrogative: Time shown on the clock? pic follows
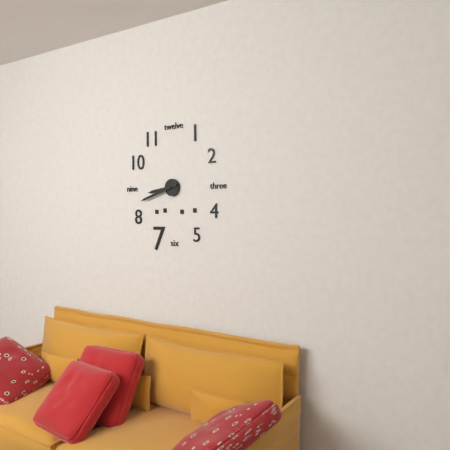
8:42
